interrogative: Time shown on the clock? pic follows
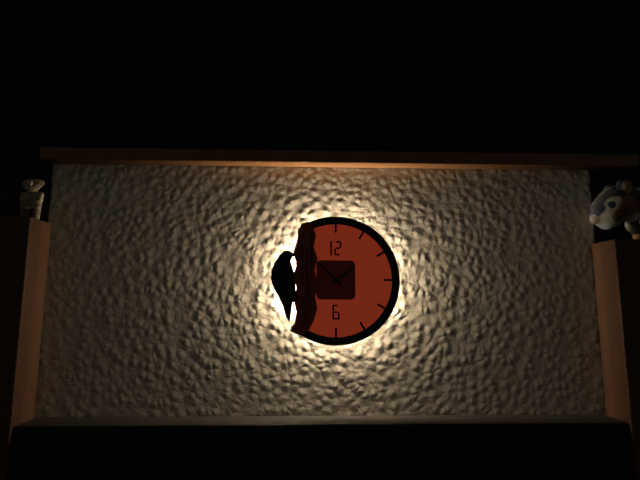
1:52
